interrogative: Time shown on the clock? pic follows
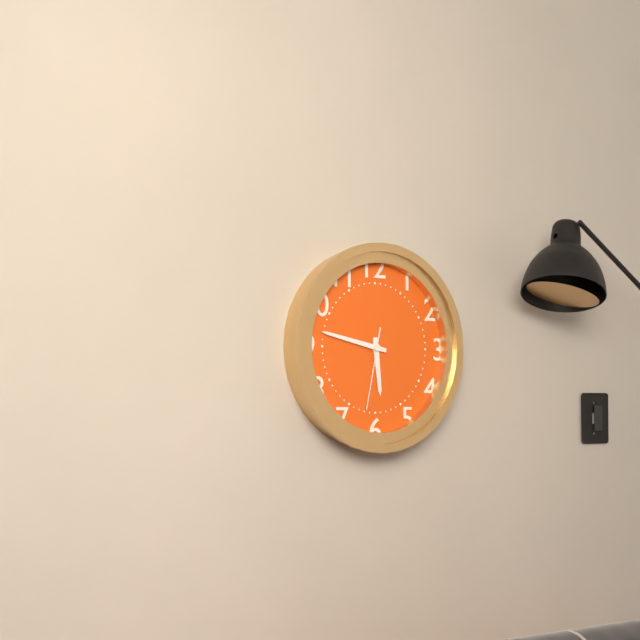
5:47:32
